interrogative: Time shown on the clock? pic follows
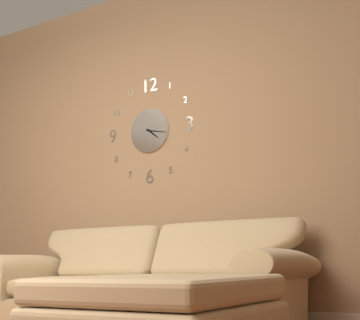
4:17
